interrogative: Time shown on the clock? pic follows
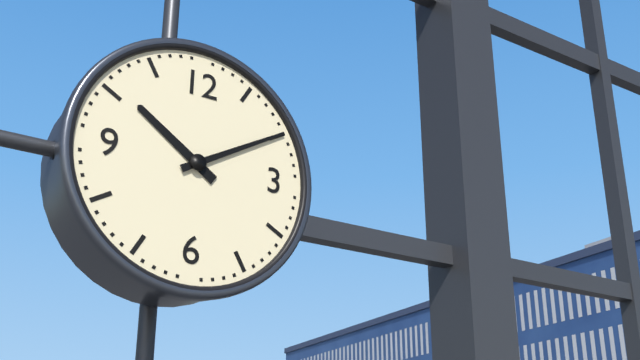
10:10
